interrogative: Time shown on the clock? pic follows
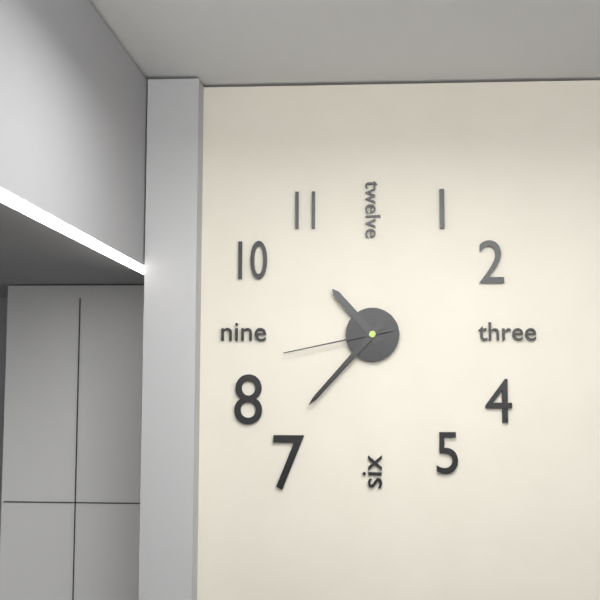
10:37:43
